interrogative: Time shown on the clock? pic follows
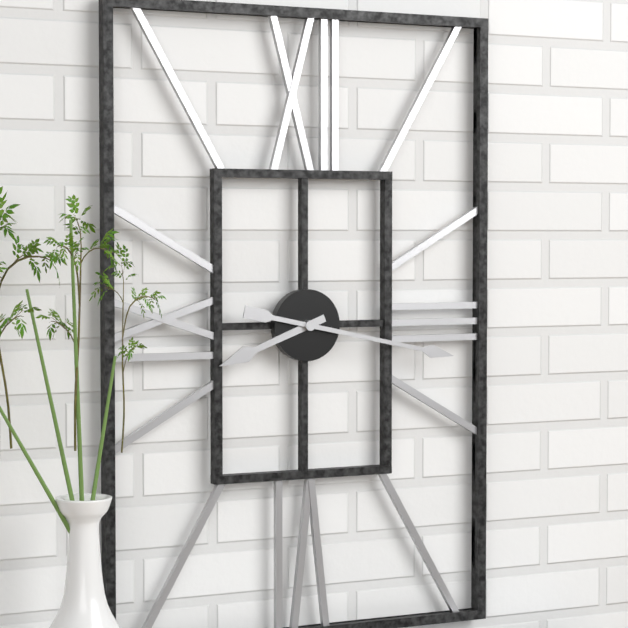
8:17
